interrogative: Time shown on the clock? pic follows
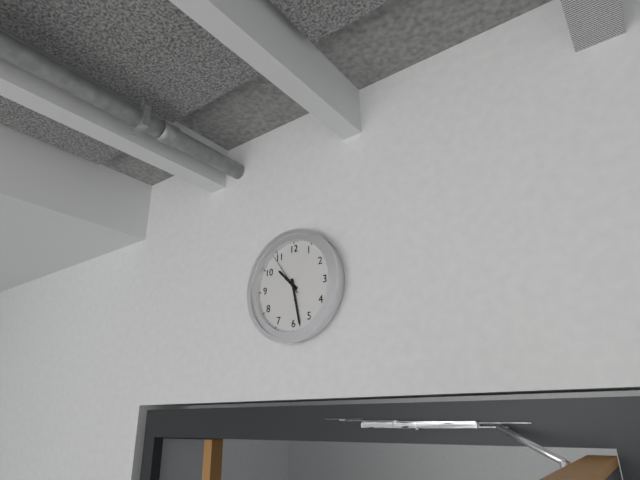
10:28
